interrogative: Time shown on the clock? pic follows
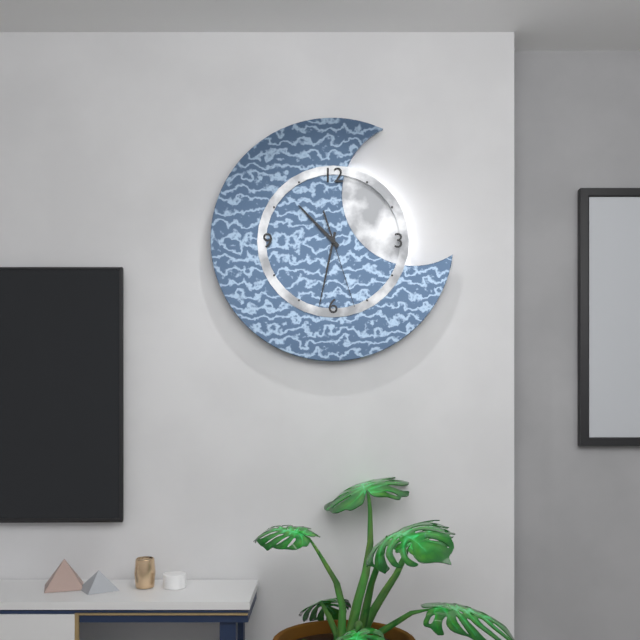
10:32:27
